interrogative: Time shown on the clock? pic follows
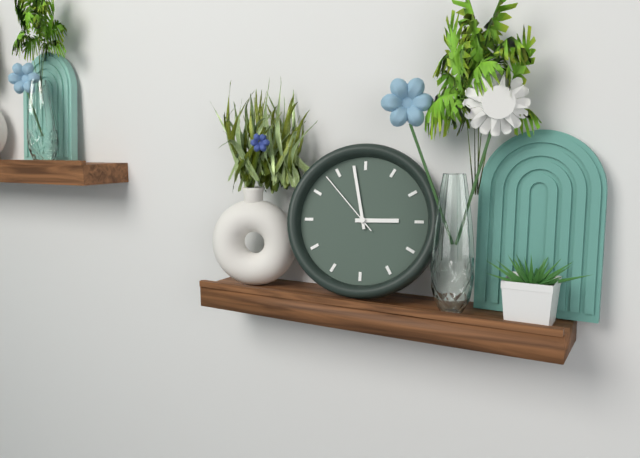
2:58:53
